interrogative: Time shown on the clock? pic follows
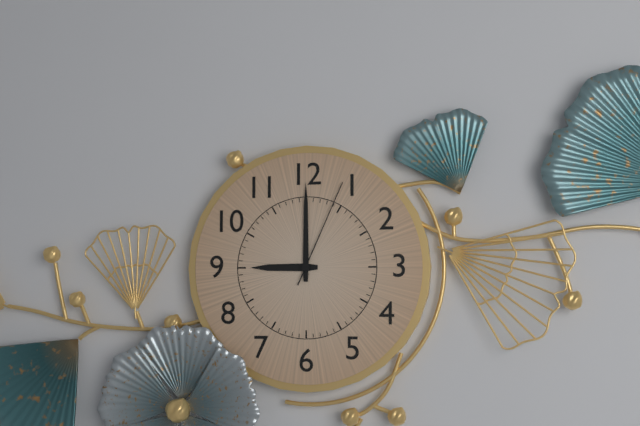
9:00:04
